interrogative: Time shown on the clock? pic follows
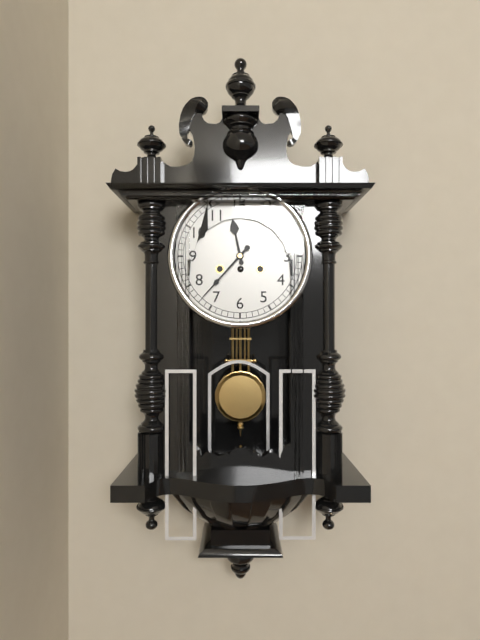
11:37
